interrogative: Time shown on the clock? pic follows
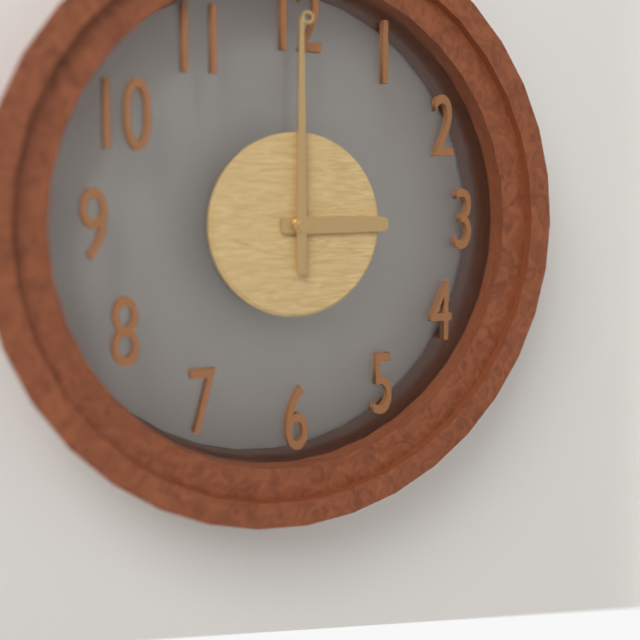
3:00
